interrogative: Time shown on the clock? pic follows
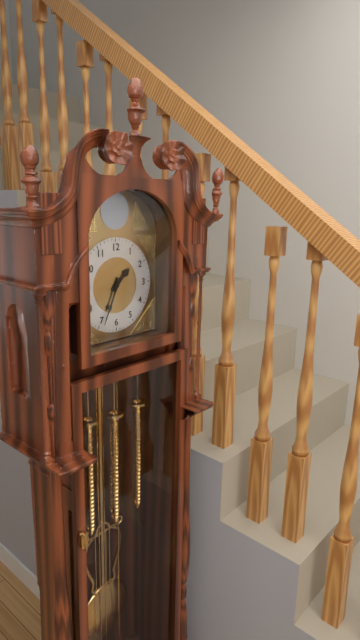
1:34
